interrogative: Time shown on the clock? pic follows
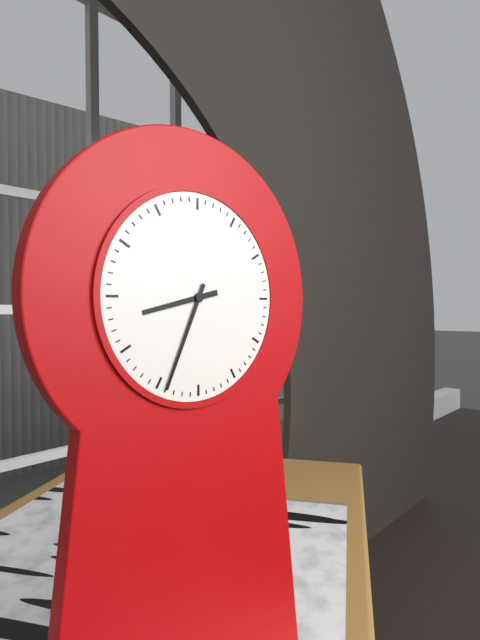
8:34
